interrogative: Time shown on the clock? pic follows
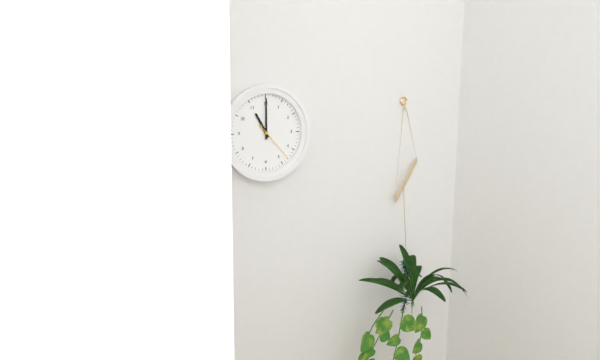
11:00
